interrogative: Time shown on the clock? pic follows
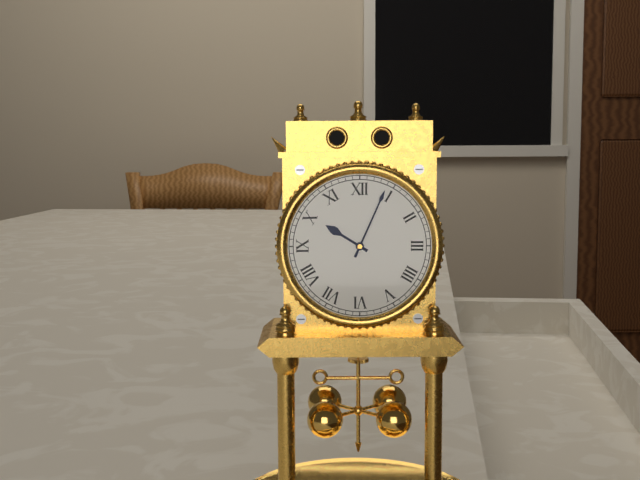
10:04
